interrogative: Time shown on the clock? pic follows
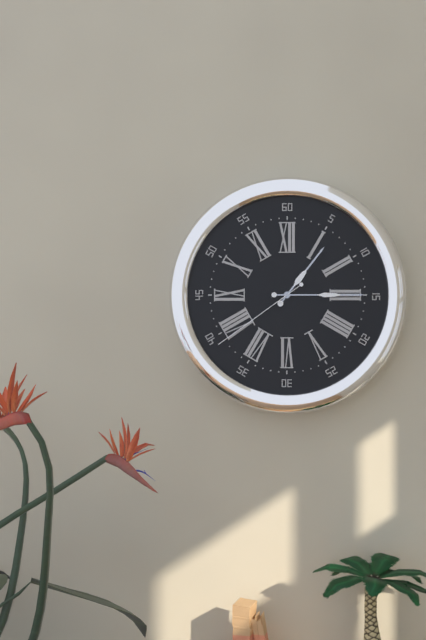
1:15:39
